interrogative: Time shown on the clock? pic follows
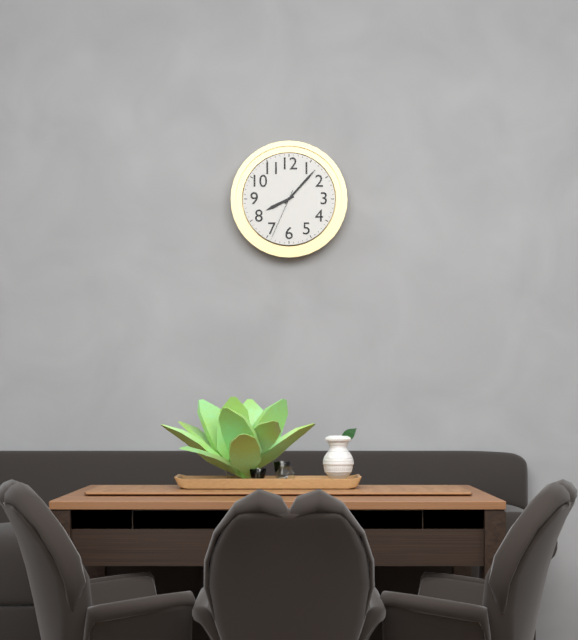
8:07:34
